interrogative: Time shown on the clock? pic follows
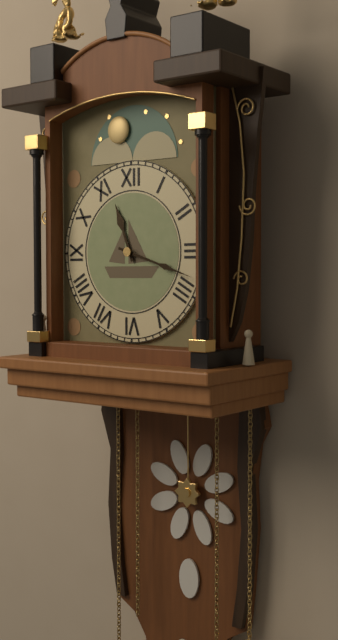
11:18
